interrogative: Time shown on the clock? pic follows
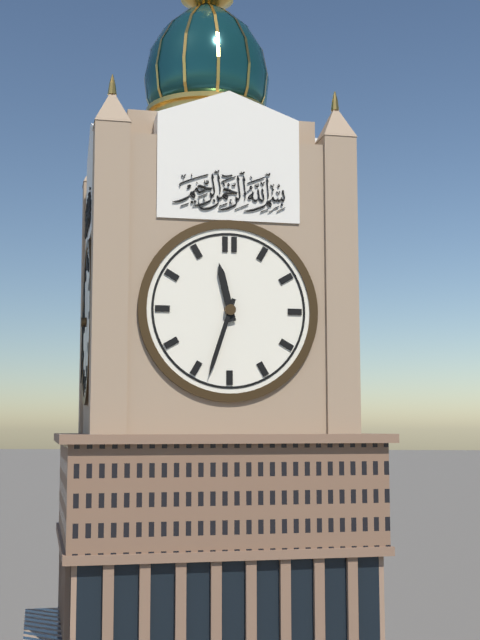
11:33
